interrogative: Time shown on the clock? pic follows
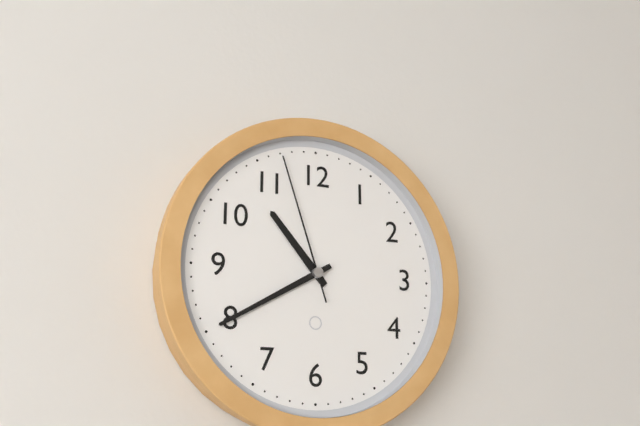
10:40:57
